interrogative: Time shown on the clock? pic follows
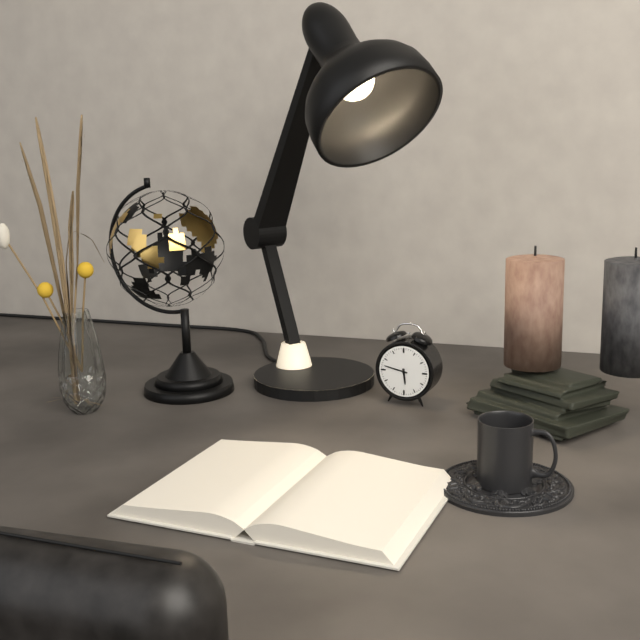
5:47
